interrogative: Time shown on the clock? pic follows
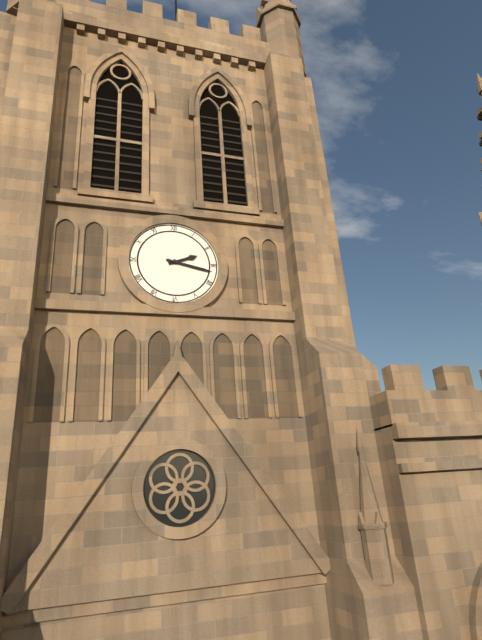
2:17
